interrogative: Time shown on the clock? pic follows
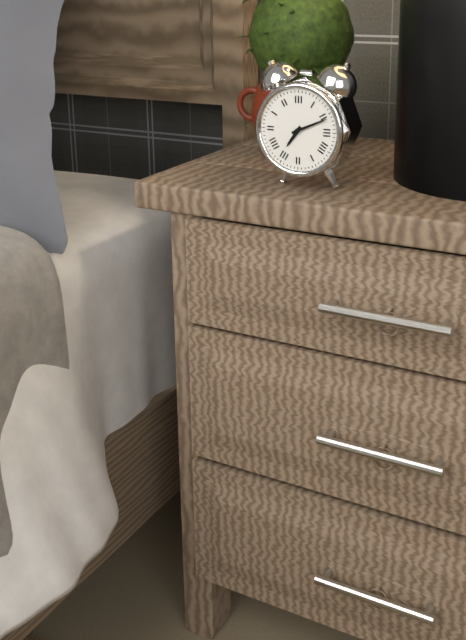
7:11
